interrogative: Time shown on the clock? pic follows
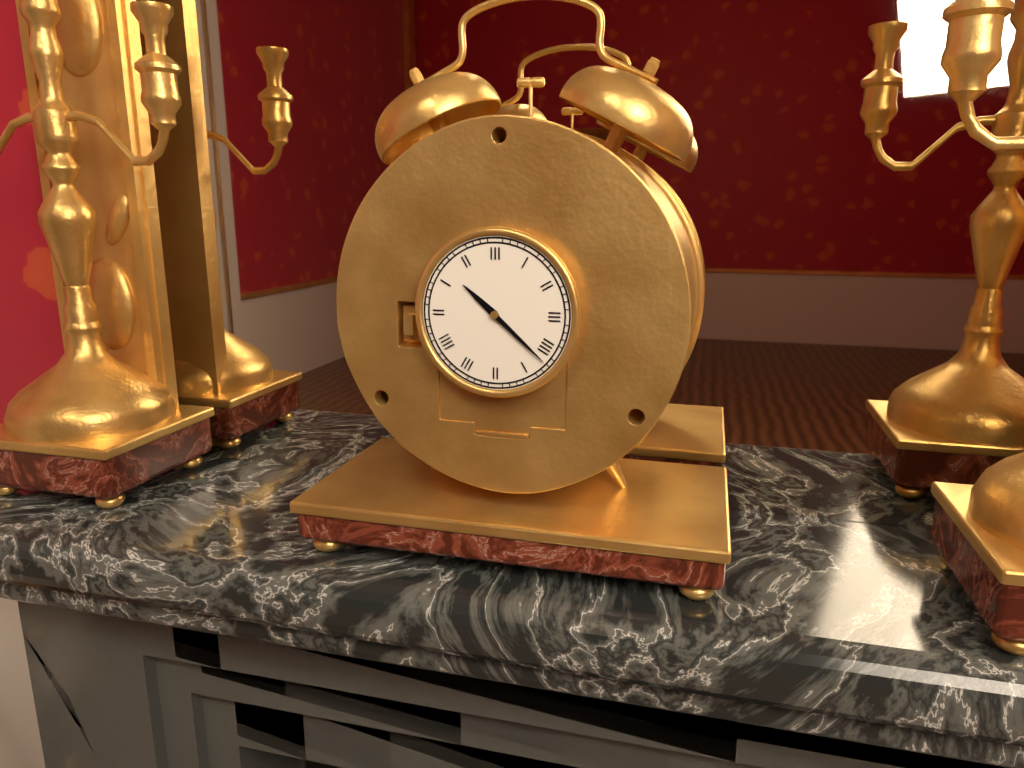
10:22
